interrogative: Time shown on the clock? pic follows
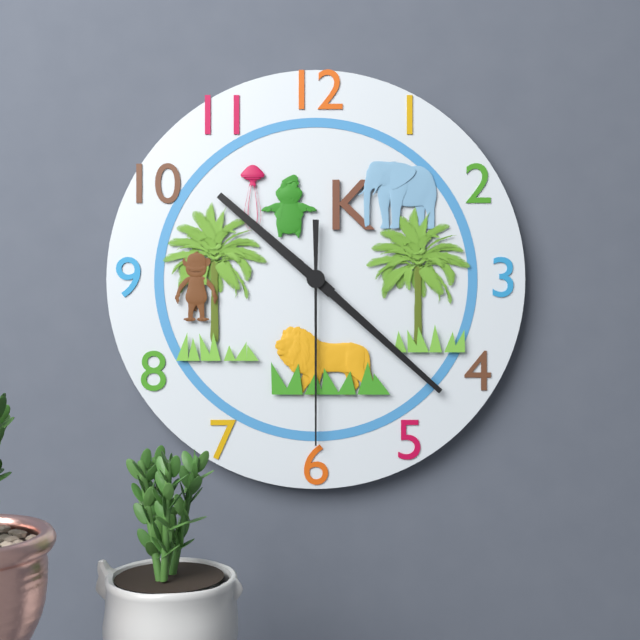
10:22:30
